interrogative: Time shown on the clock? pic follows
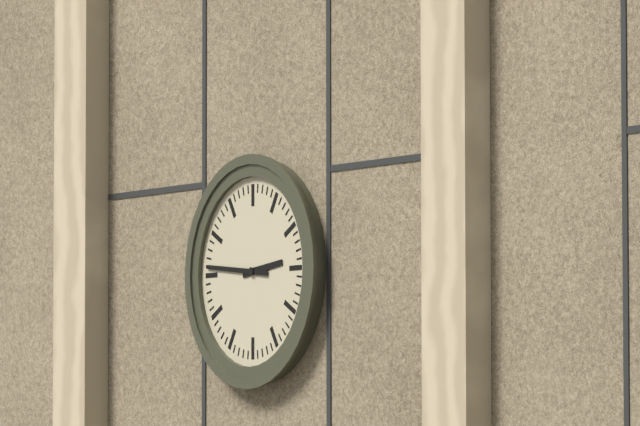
2:46
